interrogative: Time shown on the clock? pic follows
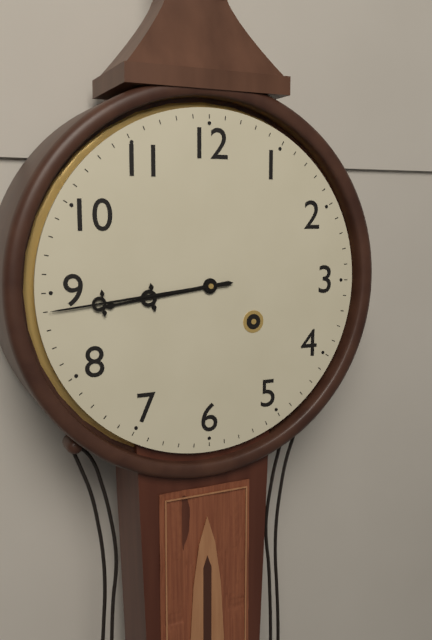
8:44
